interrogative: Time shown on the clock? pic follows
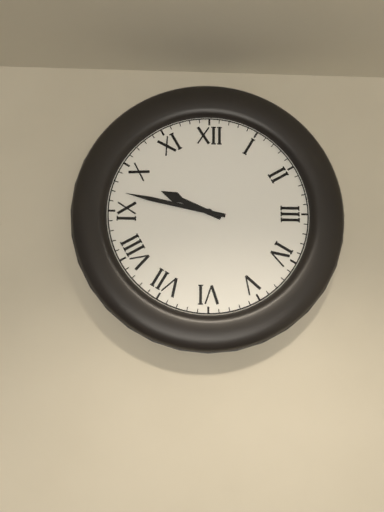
9:47
